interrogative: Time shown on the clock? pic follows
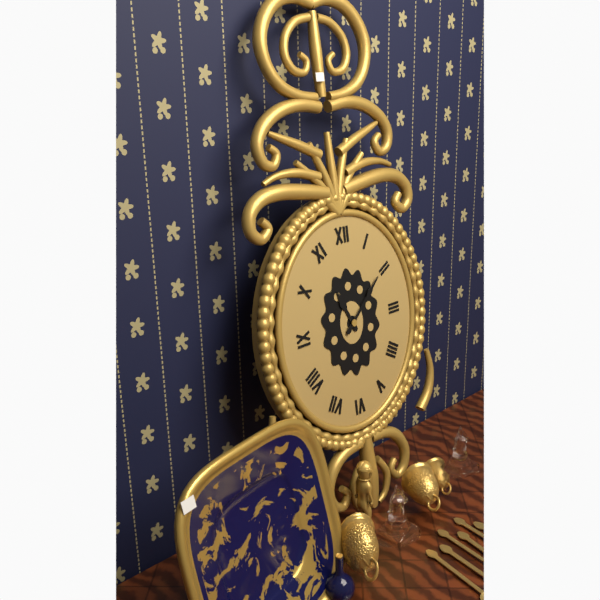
11:08
